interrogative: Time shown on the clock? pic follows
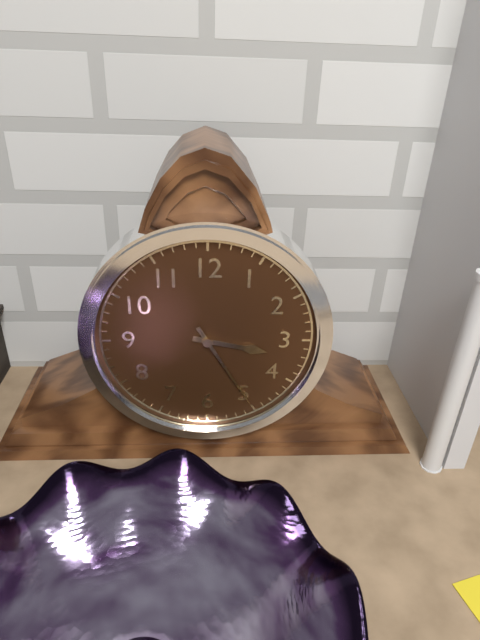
3:25
